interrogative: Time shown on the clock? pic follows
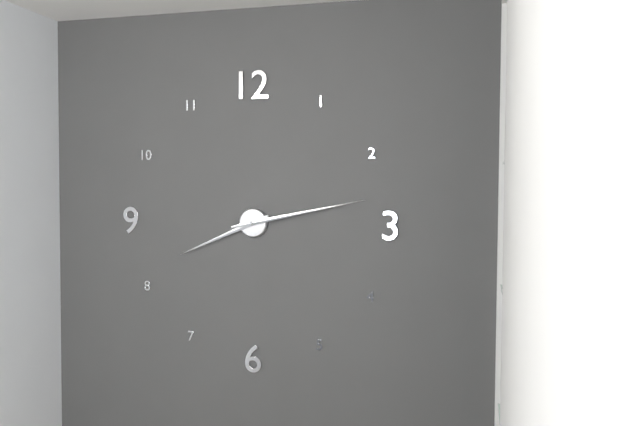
8:13
